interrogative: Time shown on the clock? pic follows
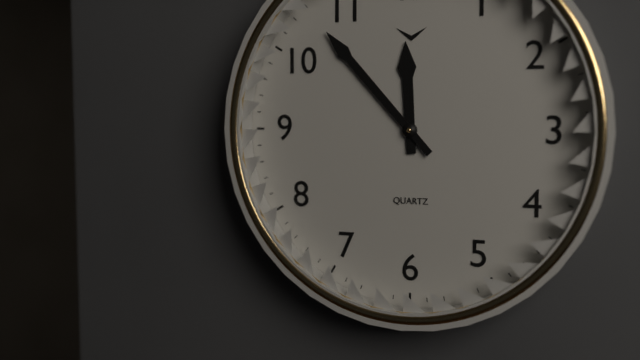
11:53
